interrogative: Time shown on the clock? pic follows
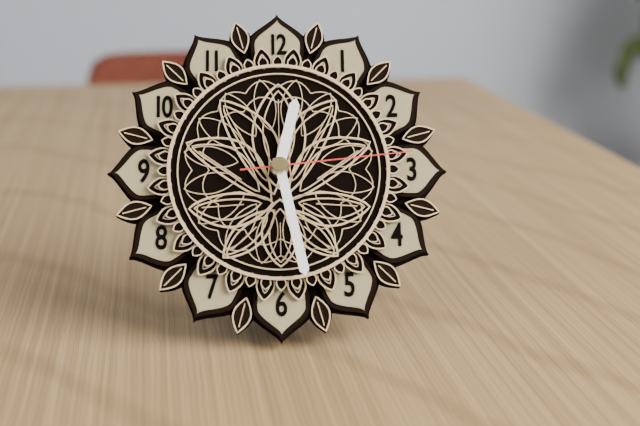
12:28:14
